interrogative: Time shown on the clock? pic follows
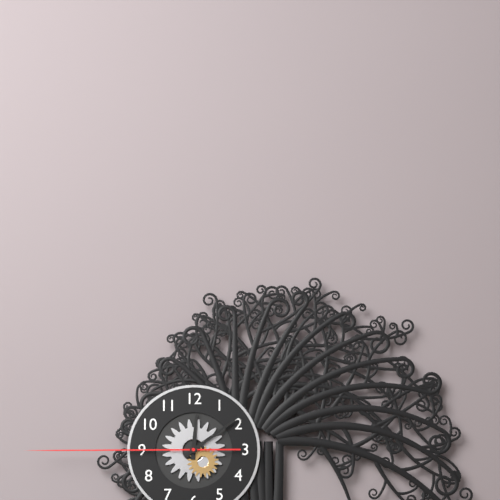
12:09:45
